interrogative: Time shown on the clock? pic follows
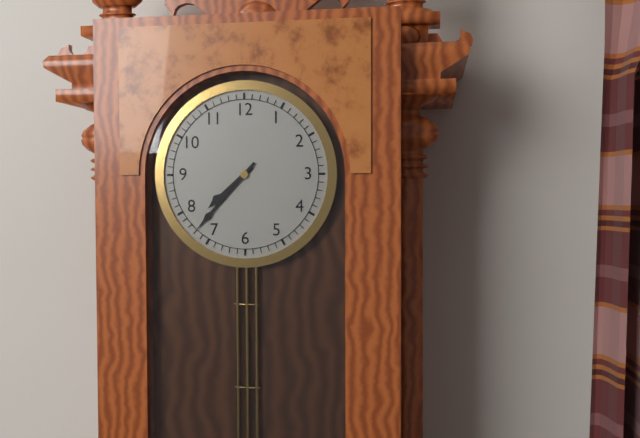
7:37
